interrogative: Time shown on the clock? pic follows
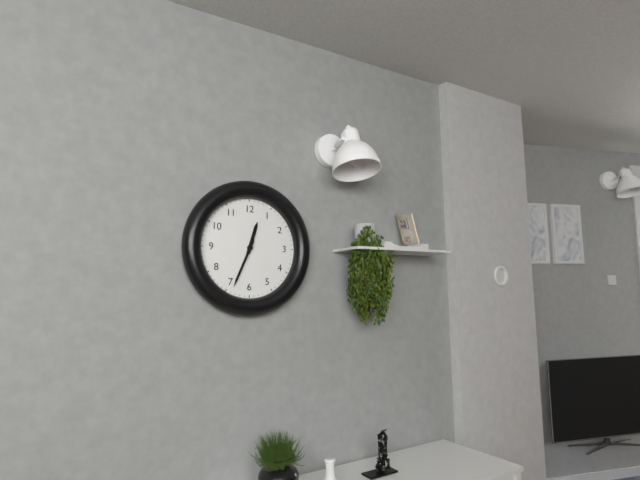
12:34
